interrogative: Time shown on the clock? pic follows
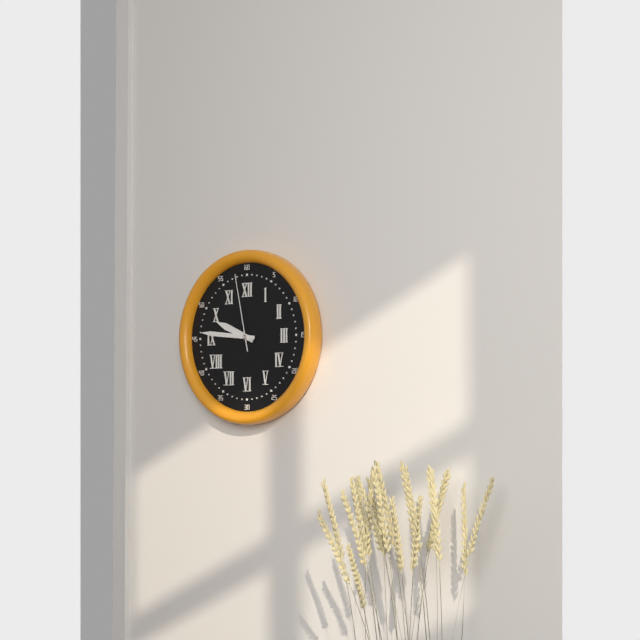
9:46:58
